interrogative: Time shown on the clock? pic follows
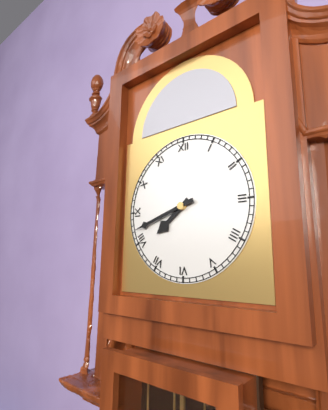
7:42
